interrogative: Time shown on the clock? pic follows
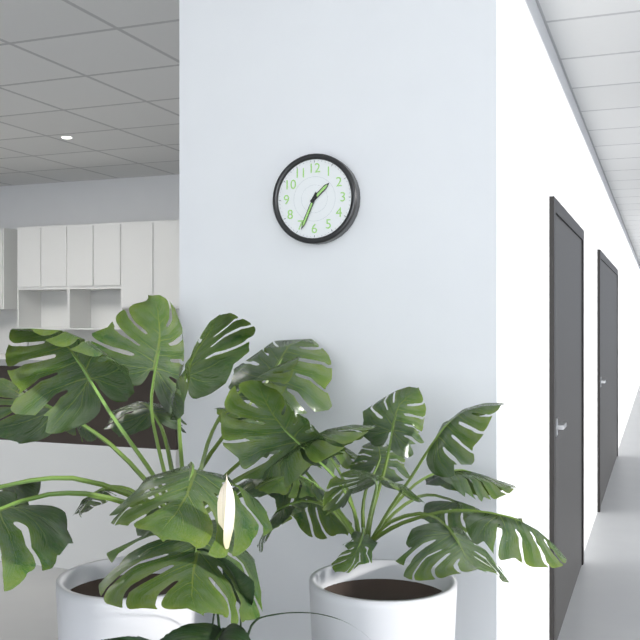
1:34
